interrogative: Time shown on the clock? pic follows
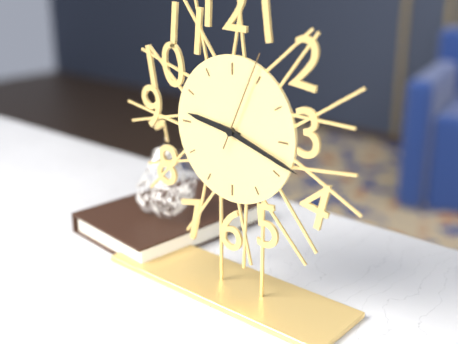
9:18:04
